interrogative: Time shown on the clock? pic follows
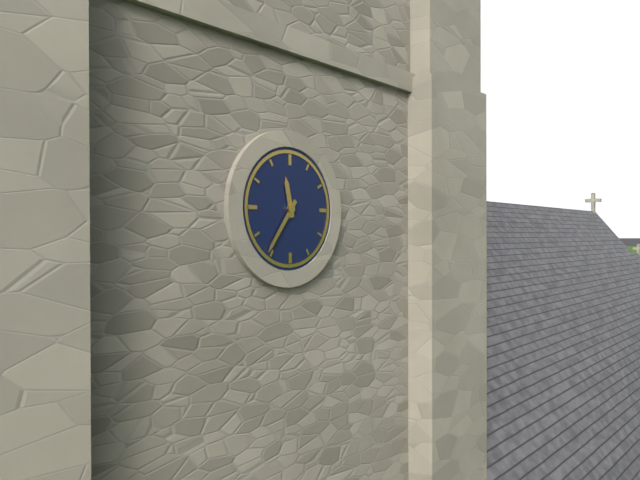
11:36
